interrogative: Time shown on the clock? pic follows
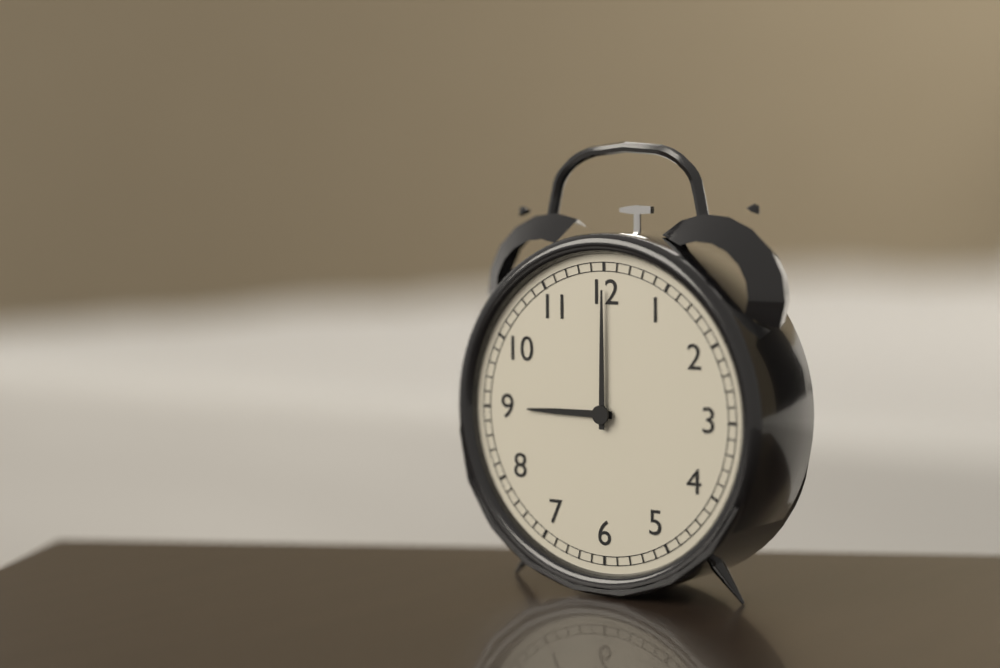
9:00
